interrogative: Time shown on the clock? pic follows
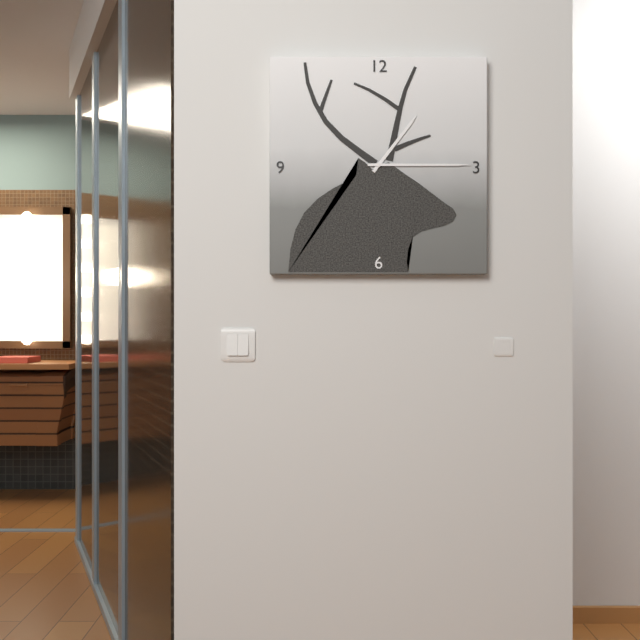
1:15
